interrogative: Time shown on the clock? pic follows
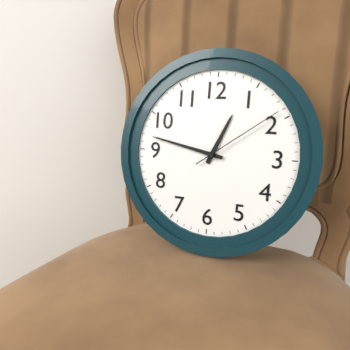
12:47:09
